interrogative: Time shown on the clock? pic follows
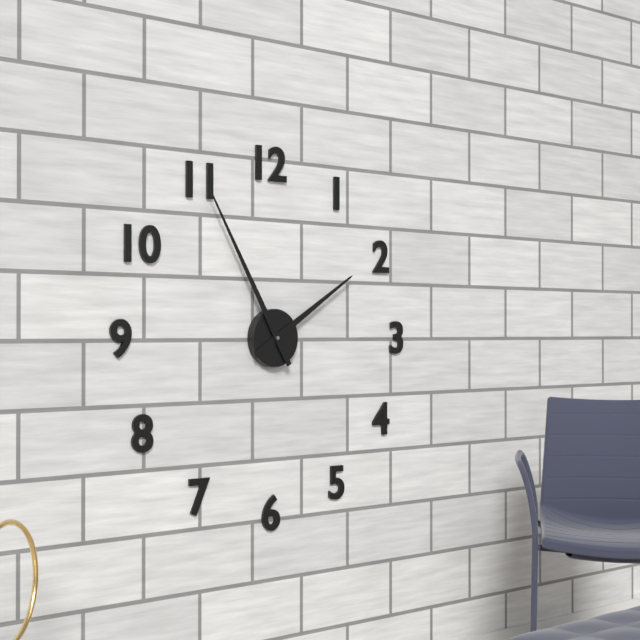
1:55
